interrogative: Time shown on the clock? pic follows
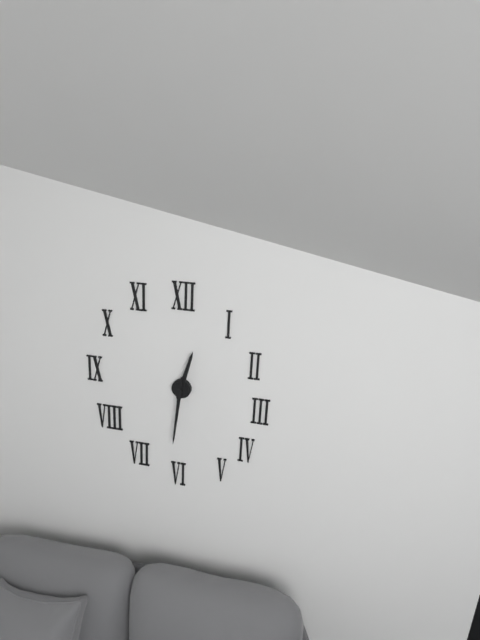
12:31
